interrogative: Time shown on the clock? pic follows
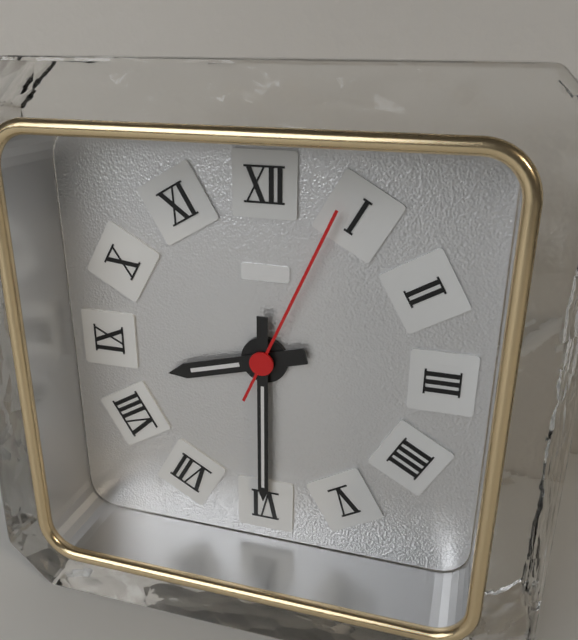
8:30:04
